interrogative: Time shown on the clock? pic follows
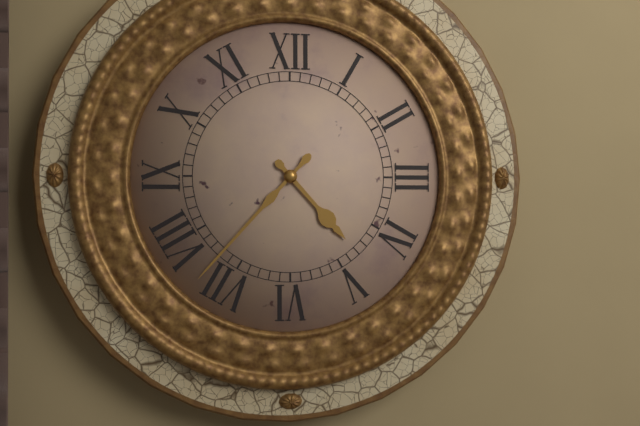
4:37
